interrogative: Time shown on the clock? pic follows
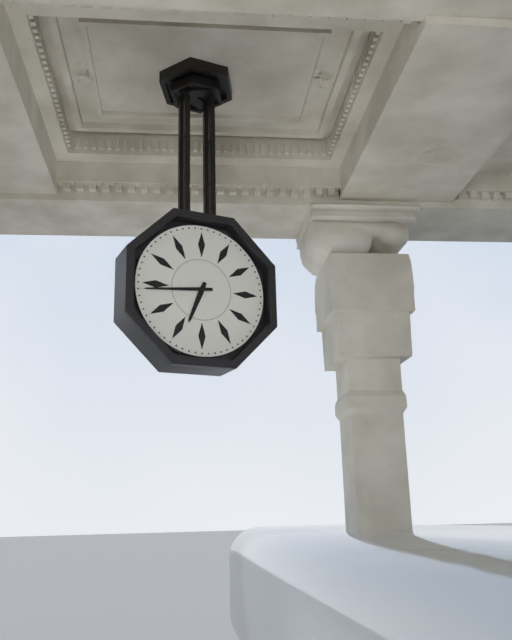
6:44
